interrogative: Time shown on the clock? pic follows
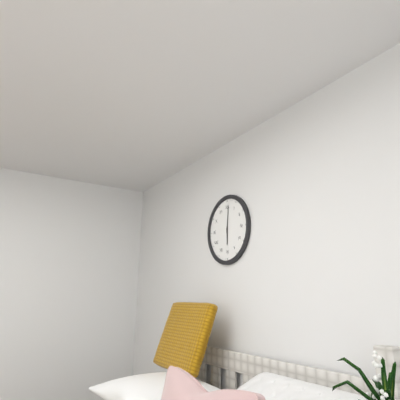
6:01
